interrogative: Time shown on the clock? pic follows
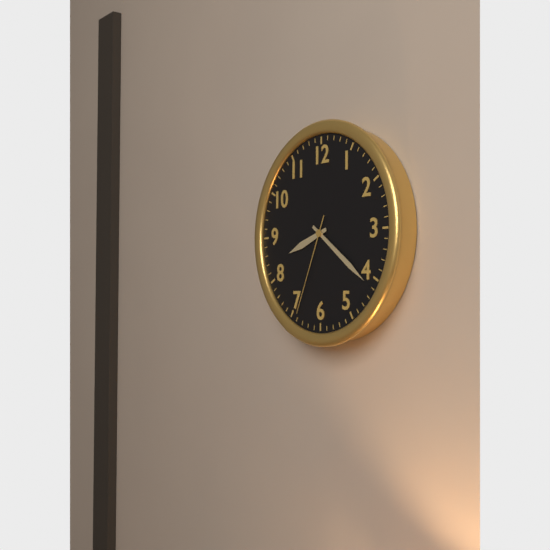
8:21:34
